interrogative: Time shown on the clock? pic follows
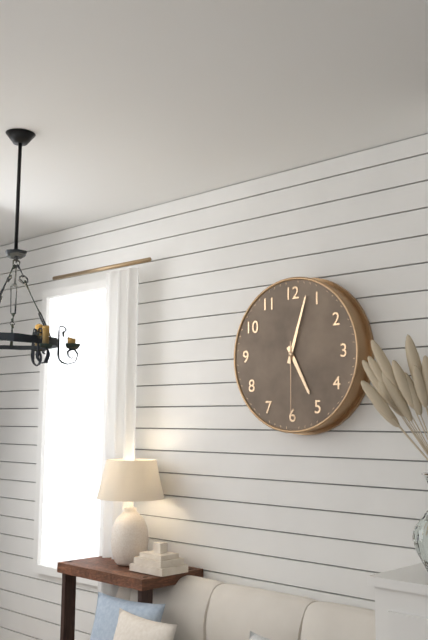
5:03:30
